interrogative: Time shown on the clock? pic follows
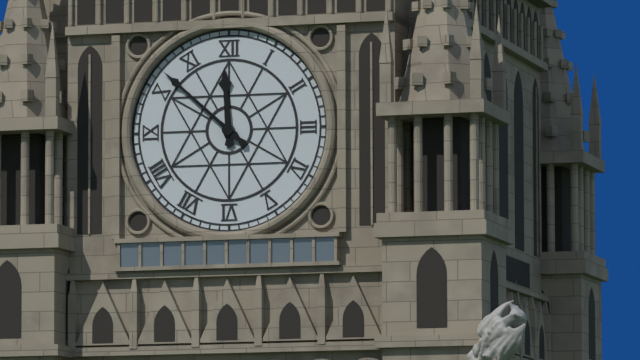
11:52
